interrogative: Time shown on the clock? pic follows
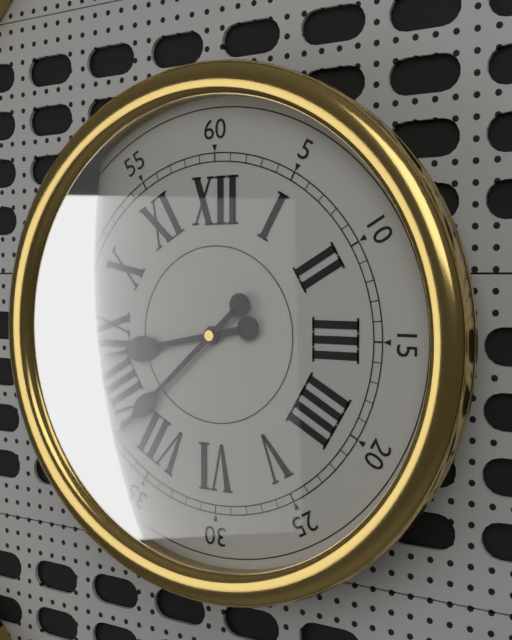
8:38
